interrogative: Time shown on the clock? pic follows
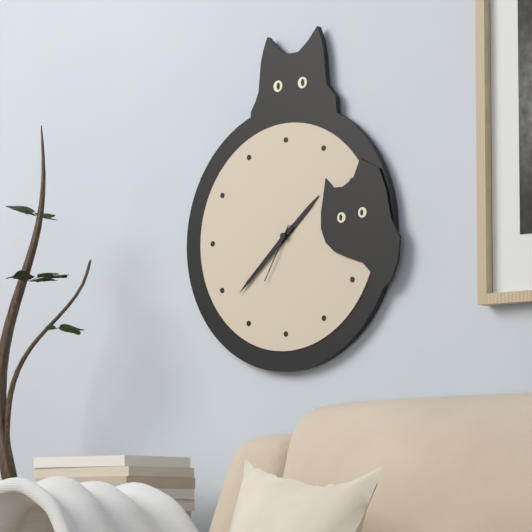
1:38:35
